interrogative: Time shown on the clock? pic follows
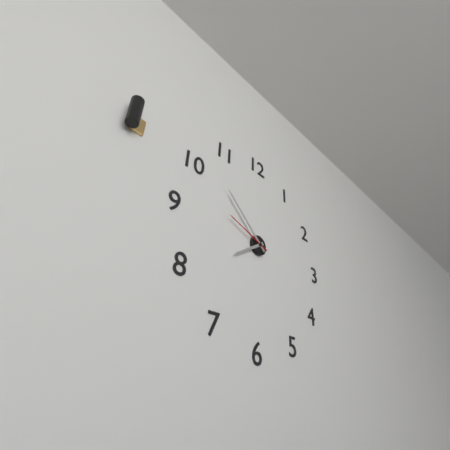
7:52:48
